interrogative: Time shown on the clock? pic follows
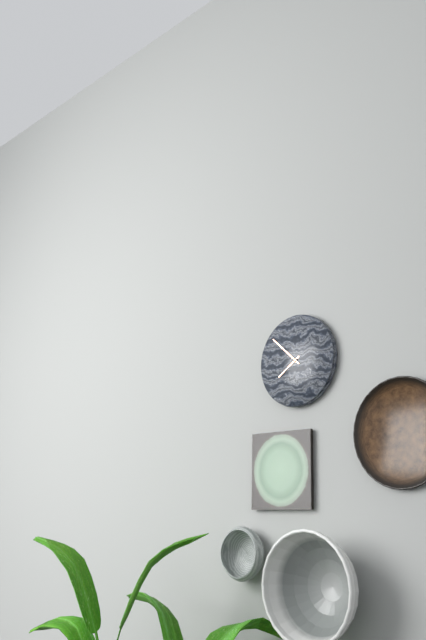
7:52
